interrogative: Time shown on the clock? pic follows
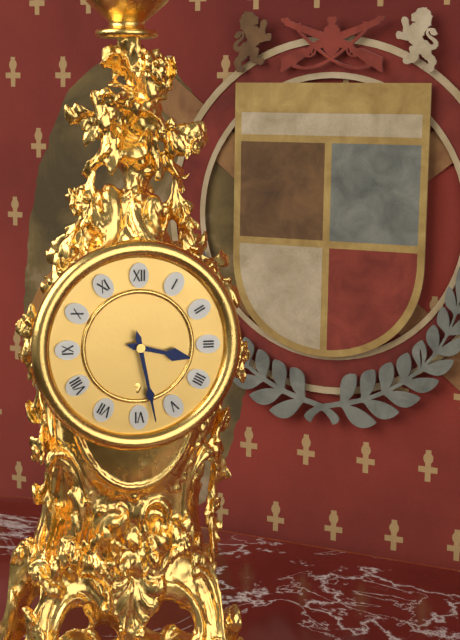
3:28
